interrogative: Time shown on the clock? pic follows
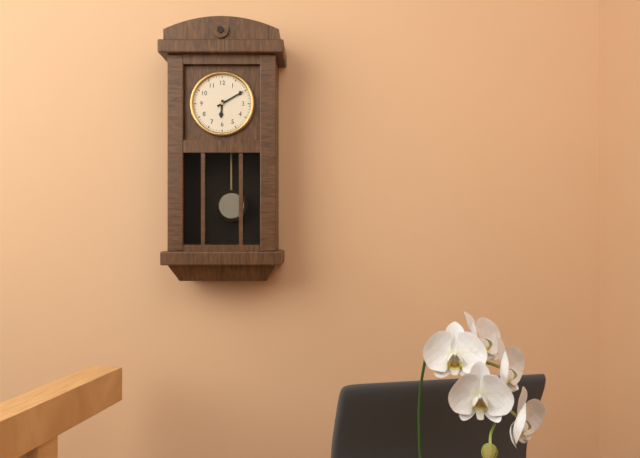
6:10
